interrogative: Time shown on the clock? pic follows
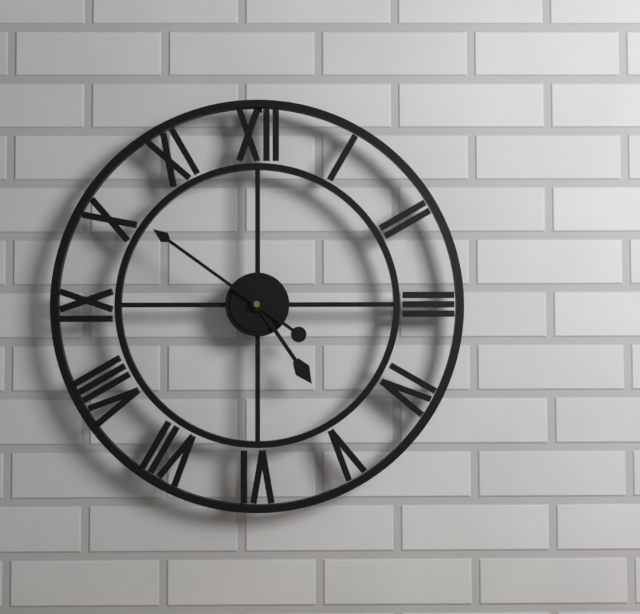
4:51
